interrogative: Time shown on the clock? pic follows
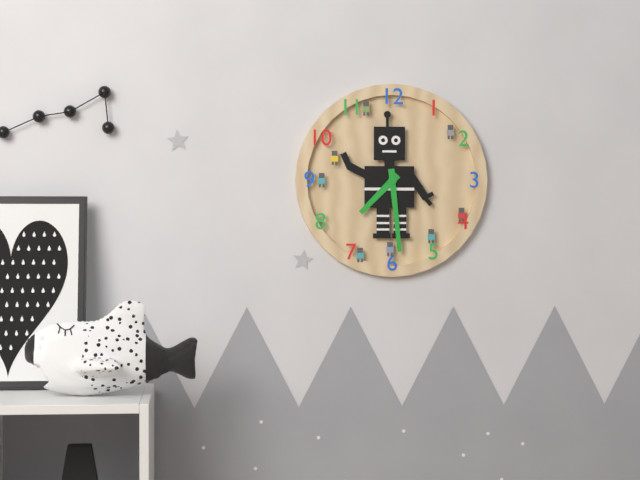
7:29
